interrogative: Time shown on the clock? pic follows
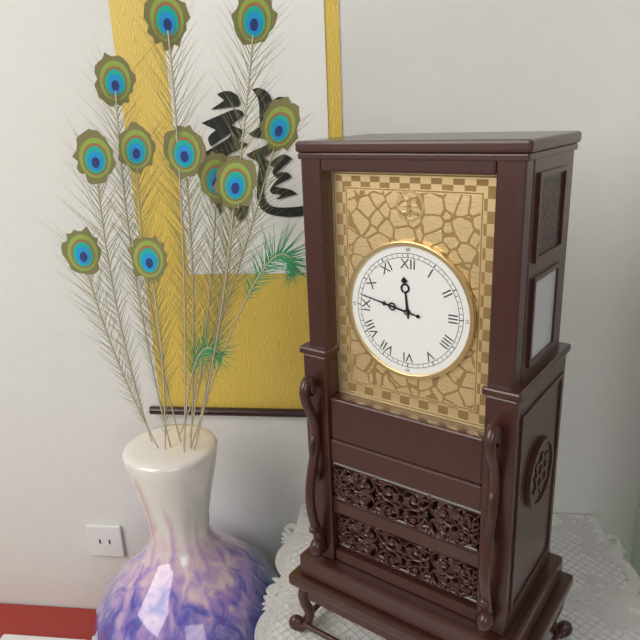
11:47
